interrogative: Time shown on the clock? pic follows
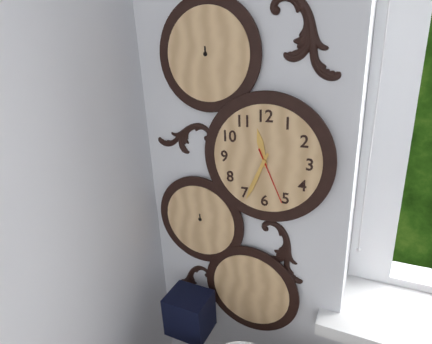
11:34:26
